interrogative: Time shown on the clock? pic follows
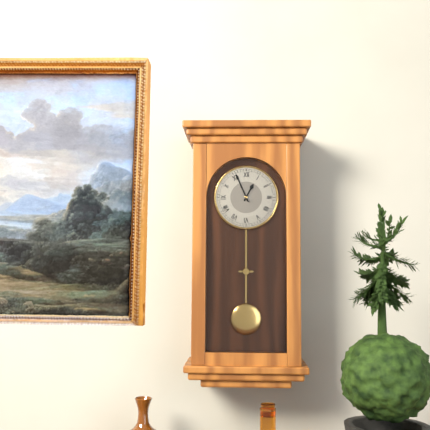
12:56
